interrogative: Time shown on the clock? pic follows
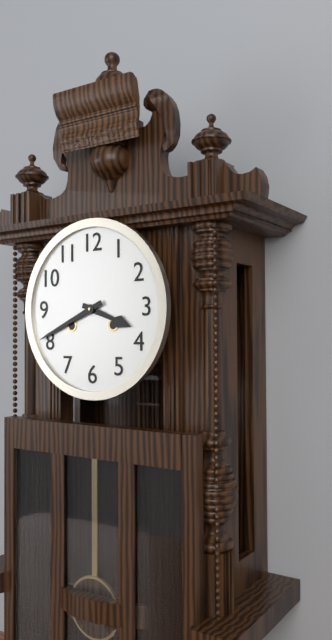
3:41
